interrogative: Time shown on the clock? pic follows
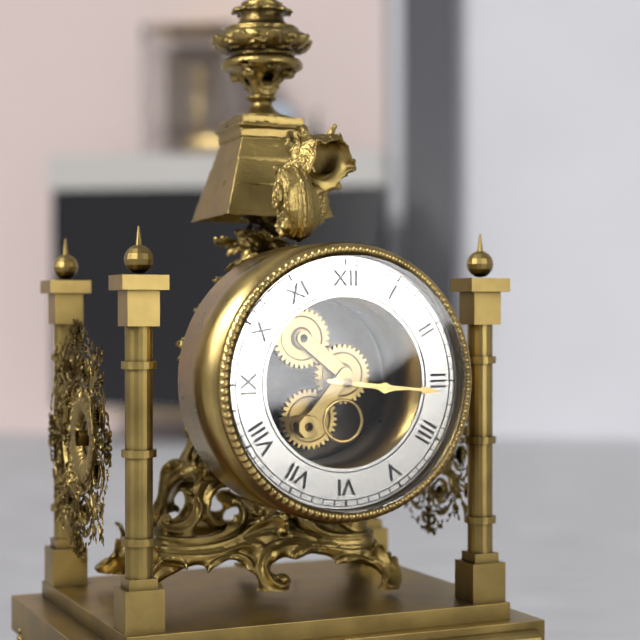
3:16
